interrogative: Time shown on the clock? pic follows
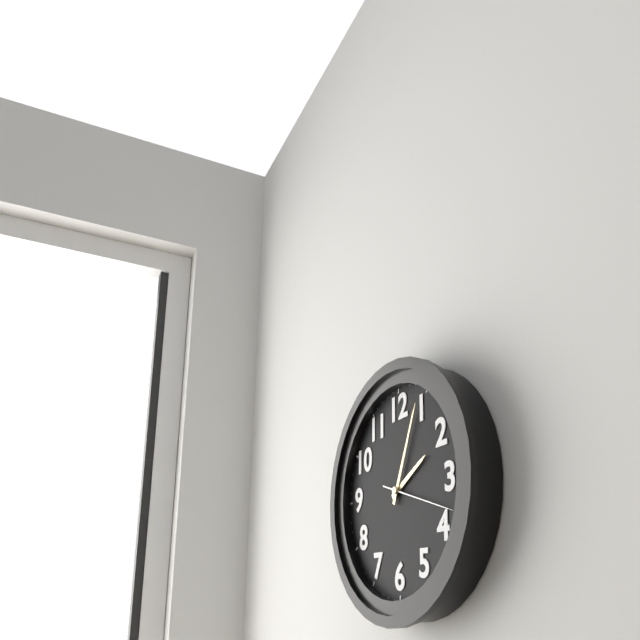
2:04:18
